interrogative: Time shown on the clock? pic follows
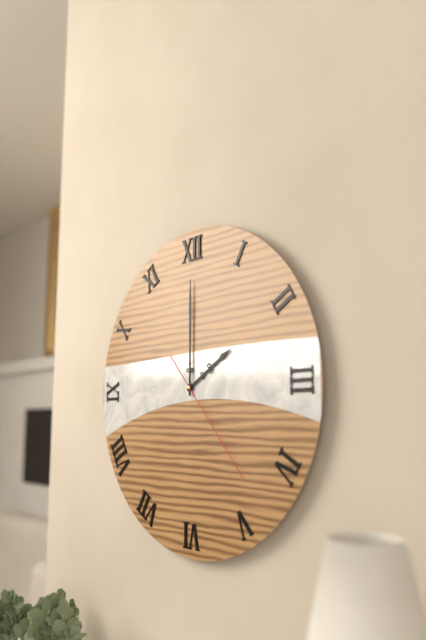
2:00:23
